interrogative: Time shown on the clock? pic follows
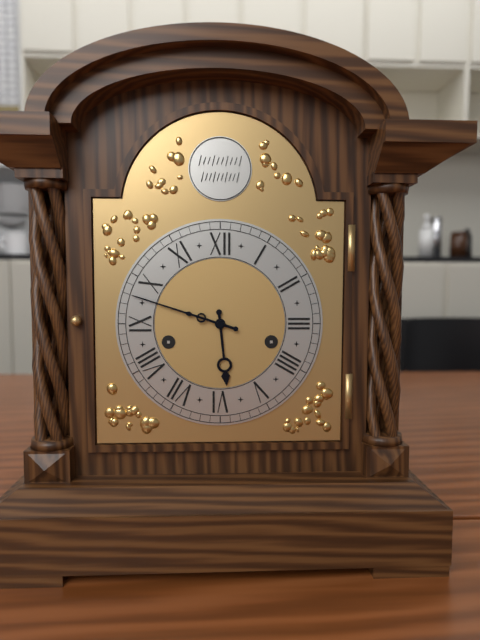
5:48
